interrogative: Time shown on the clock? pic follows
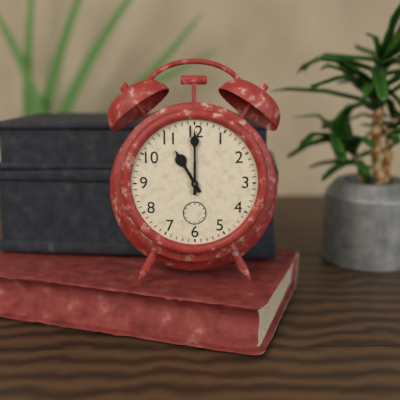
11:00
